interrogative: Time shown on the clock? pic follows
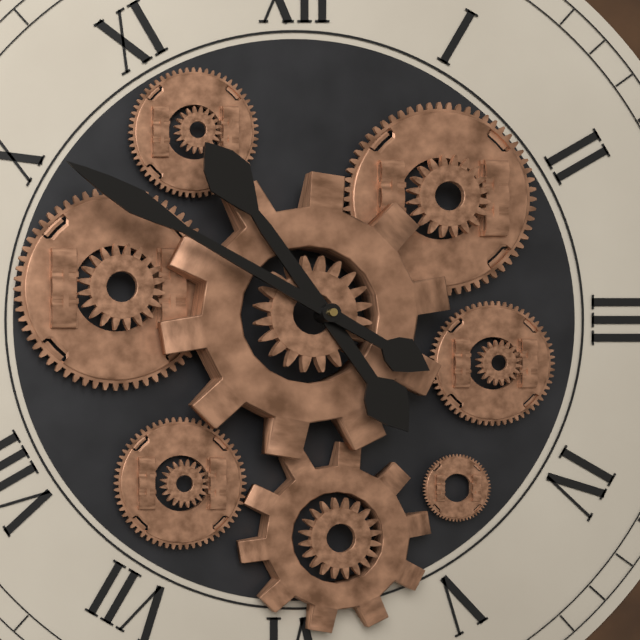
10:50
